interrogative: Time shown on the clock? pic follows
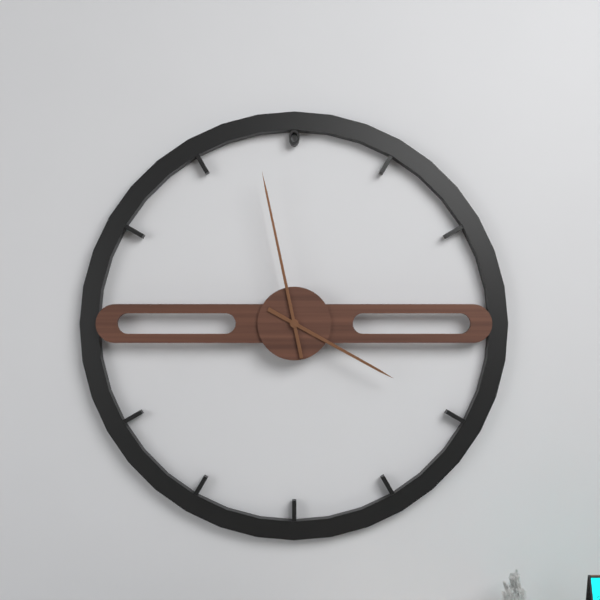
3:58
